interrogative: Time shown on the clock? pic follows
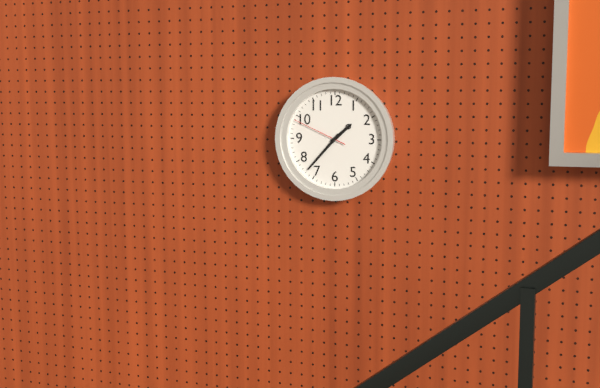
1:37:49
